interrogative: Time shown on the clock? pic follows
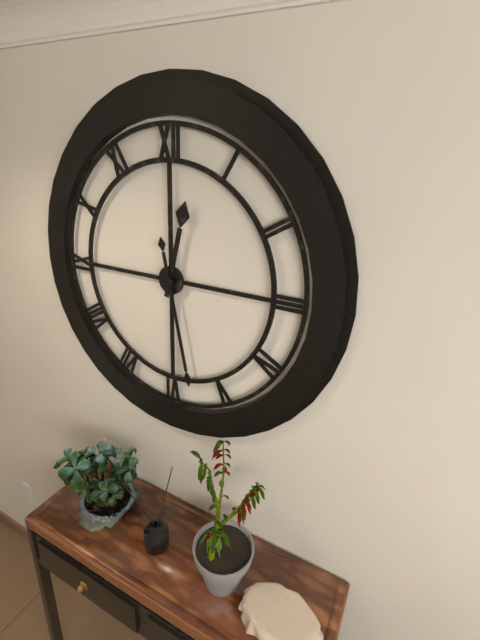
12:28
